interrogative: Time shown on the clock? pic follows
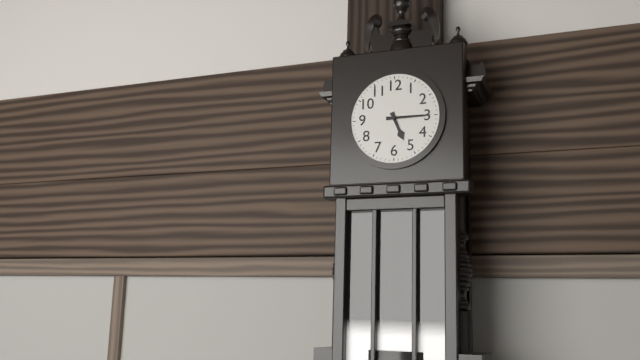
5:15
